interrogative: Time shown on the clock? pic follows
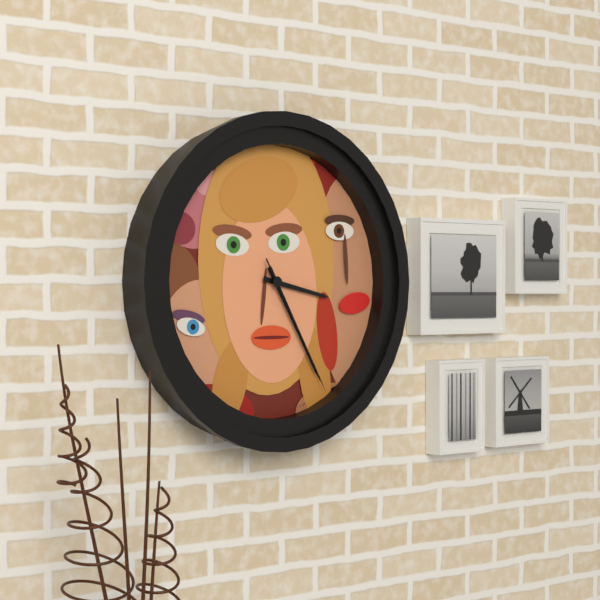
3:25:25
